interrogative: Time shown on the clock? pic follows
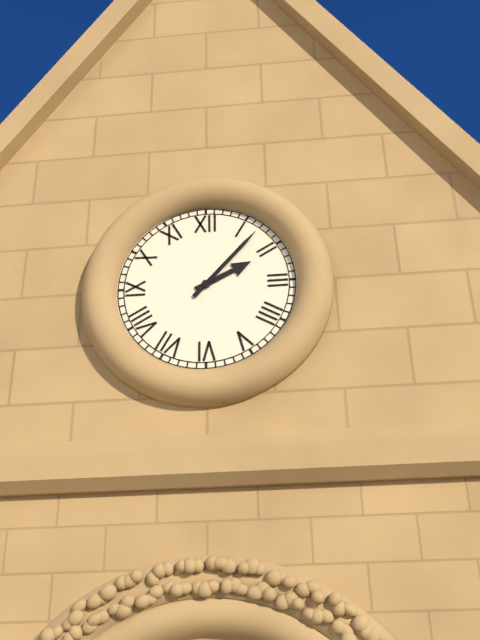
2:07
